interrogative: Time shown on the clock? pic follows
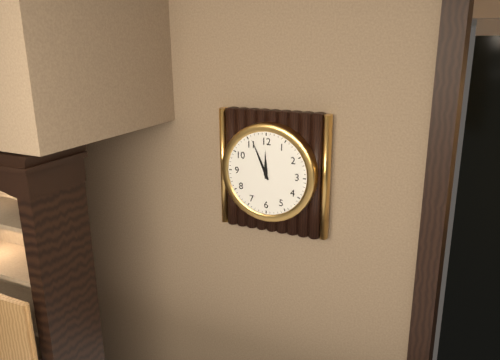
11:56
